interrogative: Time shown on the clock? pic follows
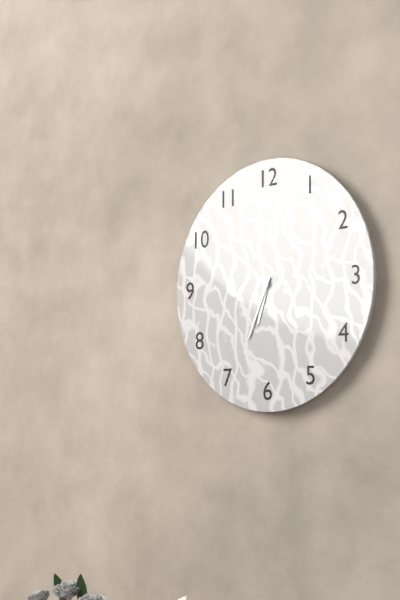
6:34
